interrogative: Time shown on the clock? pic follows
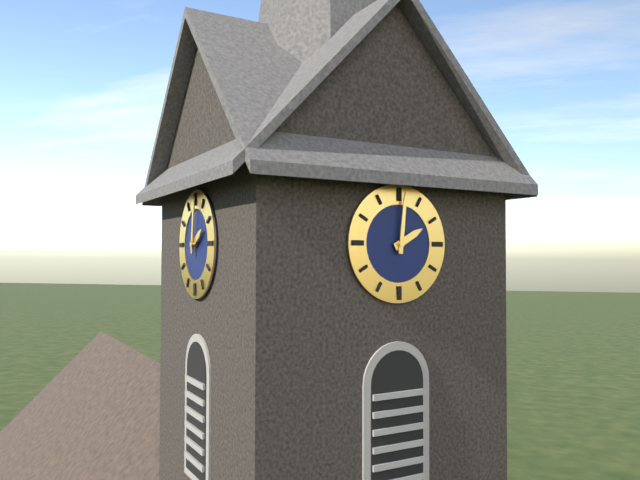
2:01
